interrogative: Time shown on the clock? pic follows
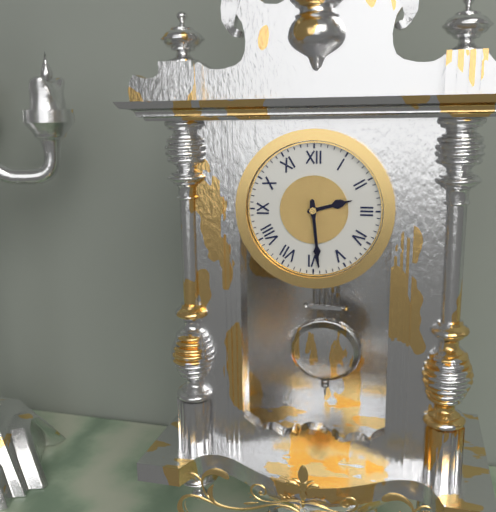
2:29
